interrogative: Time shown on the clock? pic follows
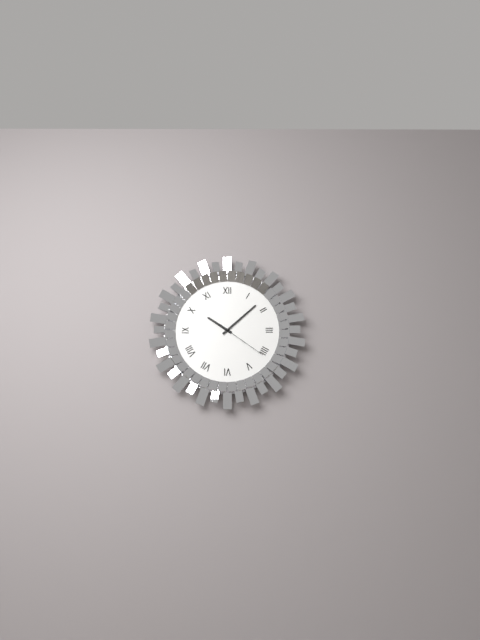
10:08:21
